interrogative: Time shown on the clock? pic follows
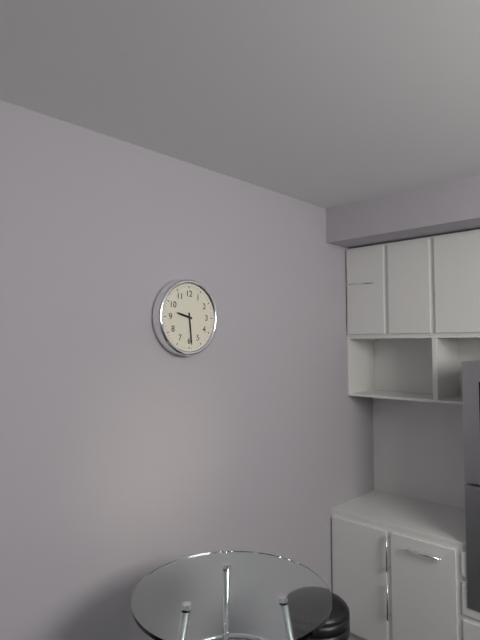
9:29
